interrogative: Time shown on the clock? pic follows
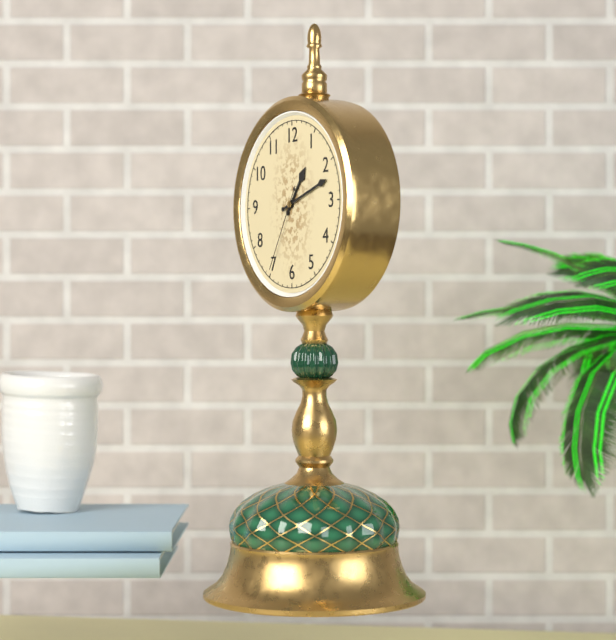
1:12:35
